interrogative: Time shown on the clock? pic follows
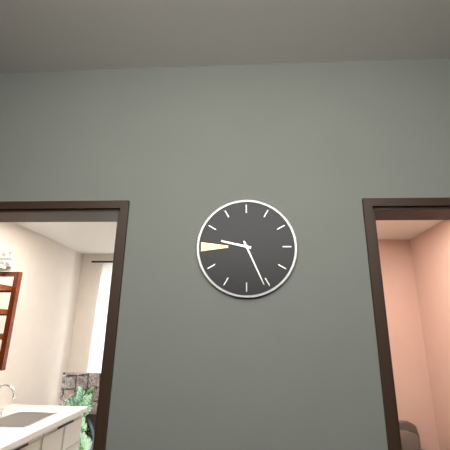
9:26
